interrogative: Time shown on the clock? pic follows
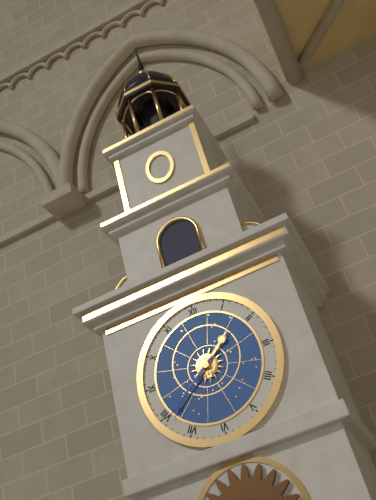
1:39
